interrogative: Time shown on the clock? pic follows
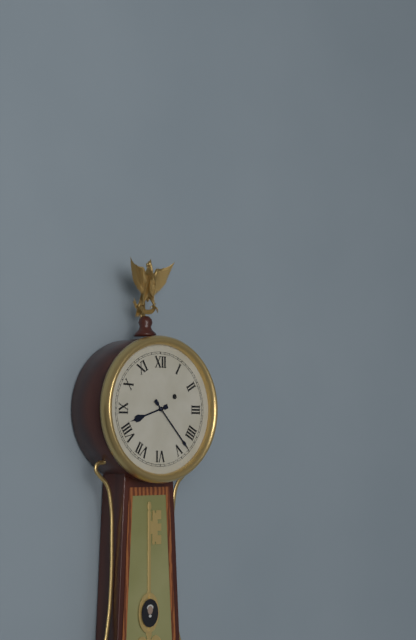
8:23
